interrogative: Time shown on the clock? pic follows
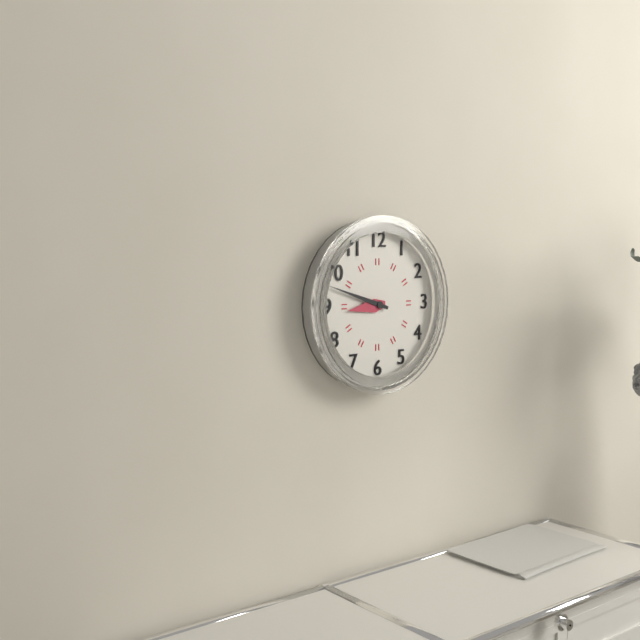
8:48
